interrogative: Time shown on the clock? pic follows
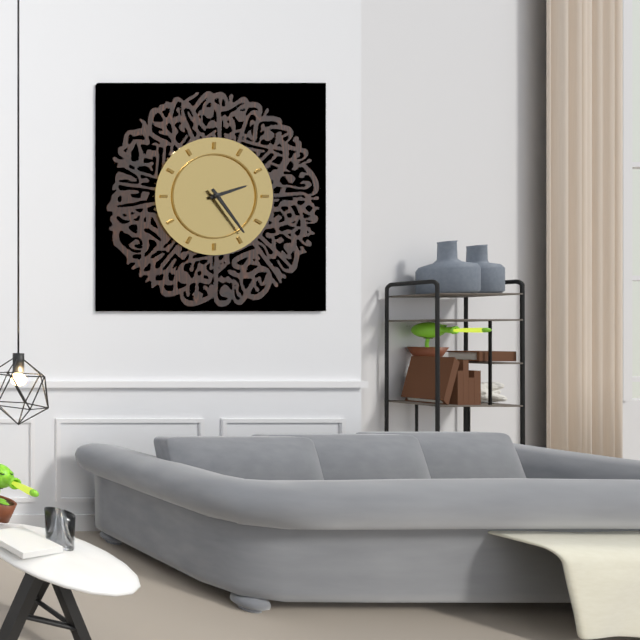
2:24
